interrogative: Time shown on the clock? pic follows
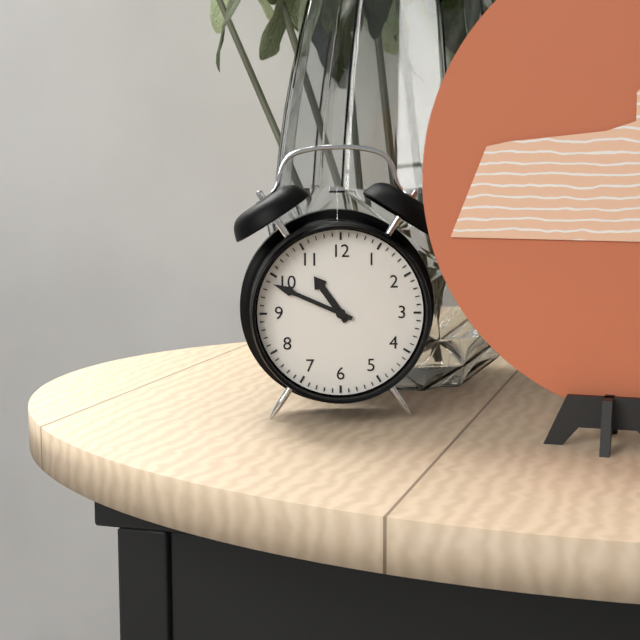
10:49
